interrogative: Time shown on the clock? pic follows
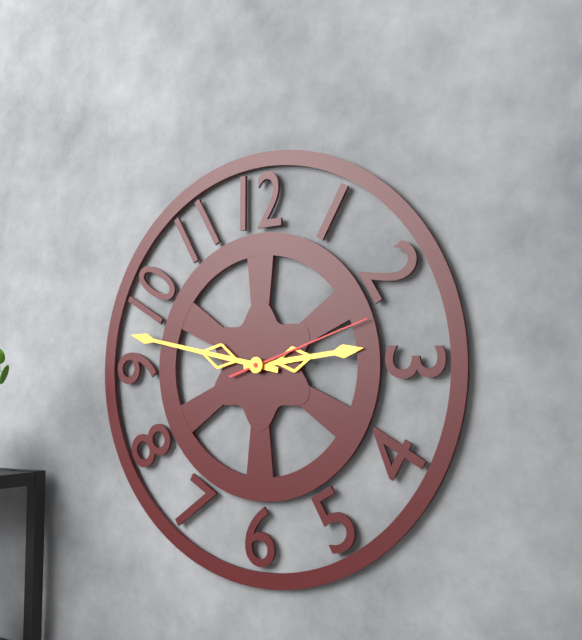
2:47:12
